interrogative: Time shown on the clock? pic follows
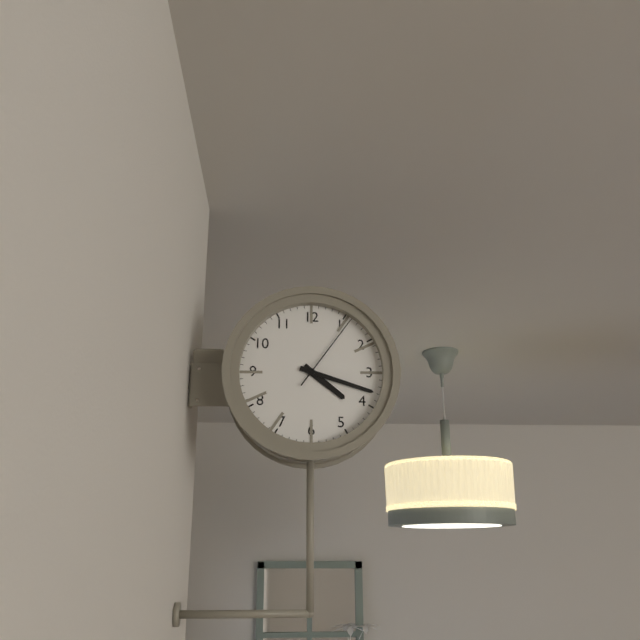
4:18:06
